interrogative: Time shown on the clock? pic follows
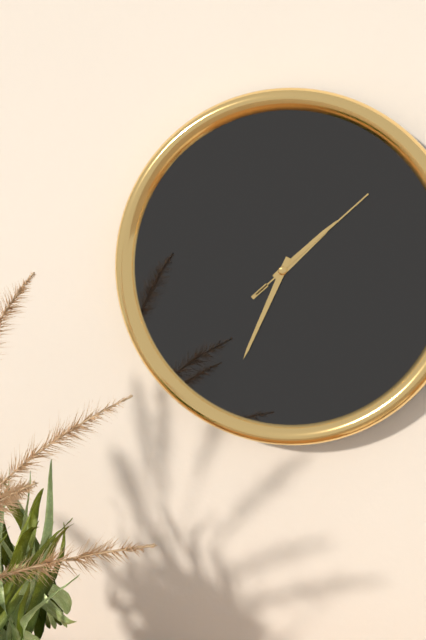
1:34:08
